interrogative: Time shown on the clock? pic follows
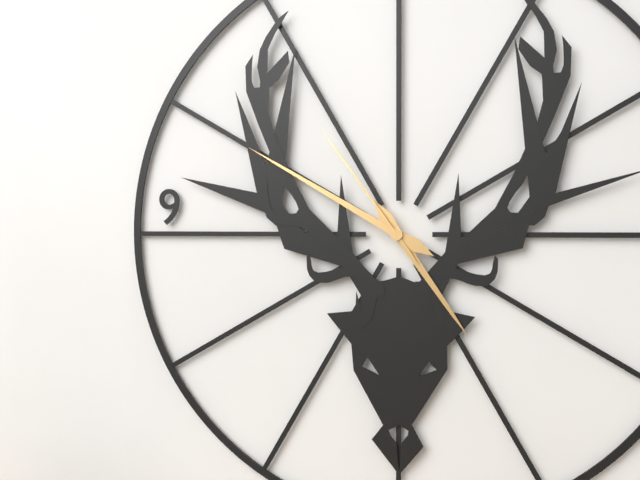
4:50:54
